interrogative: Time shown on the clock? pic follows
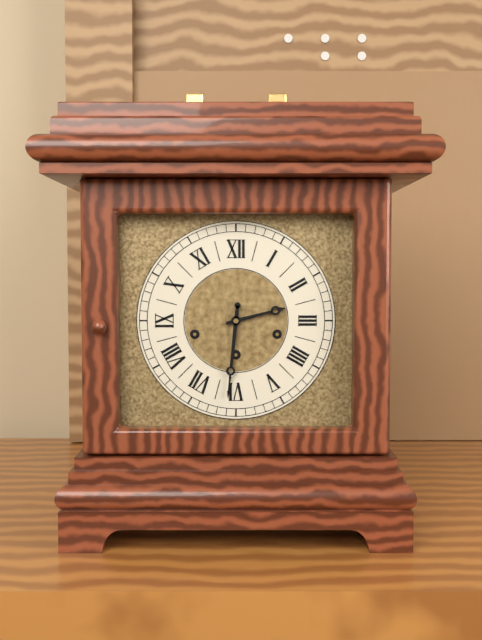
2:31
